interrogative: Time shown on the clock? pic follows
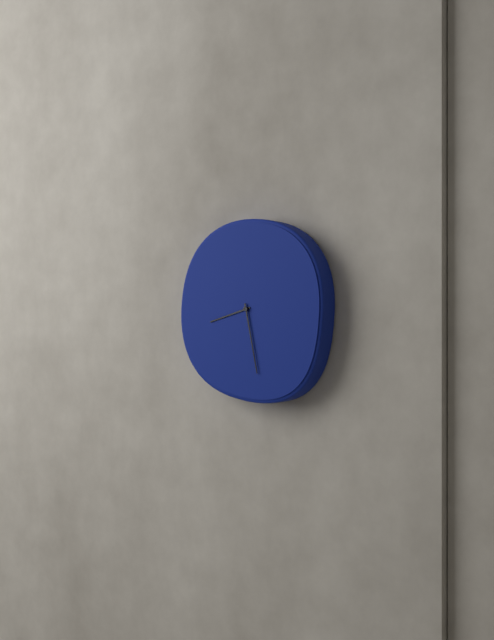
8:28
